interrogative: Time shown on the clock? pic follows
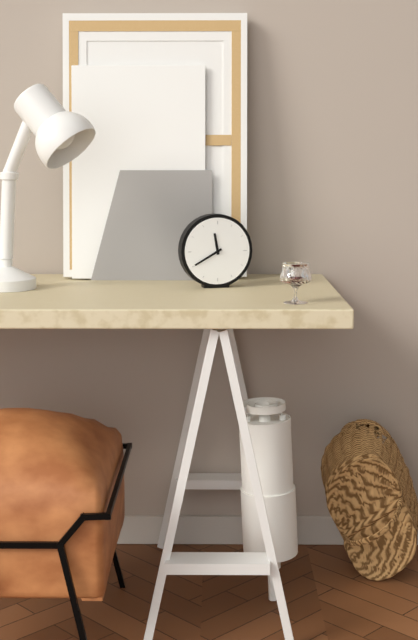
11:40
